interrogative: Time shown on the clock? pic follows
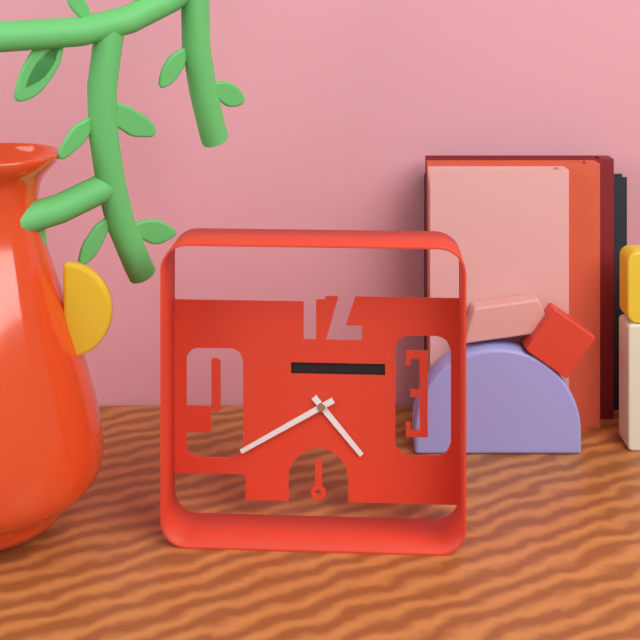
4:40
